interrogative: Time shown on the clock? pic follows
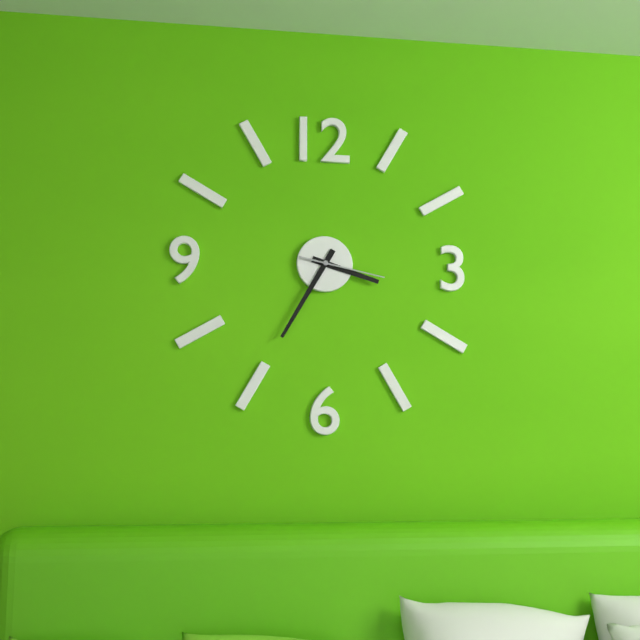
3:35:17
